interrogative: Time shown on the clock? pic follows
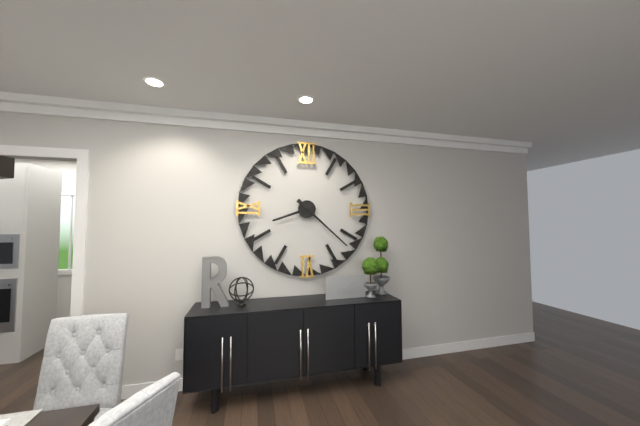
8:22
